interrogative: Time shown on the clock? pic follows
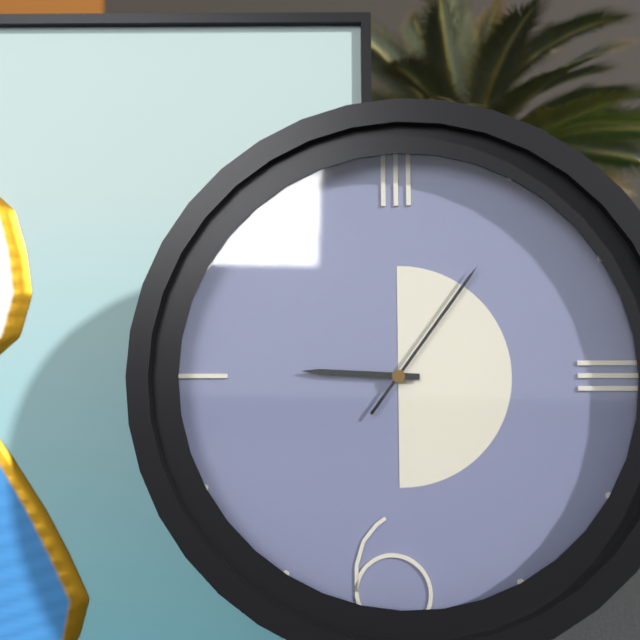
9:06
